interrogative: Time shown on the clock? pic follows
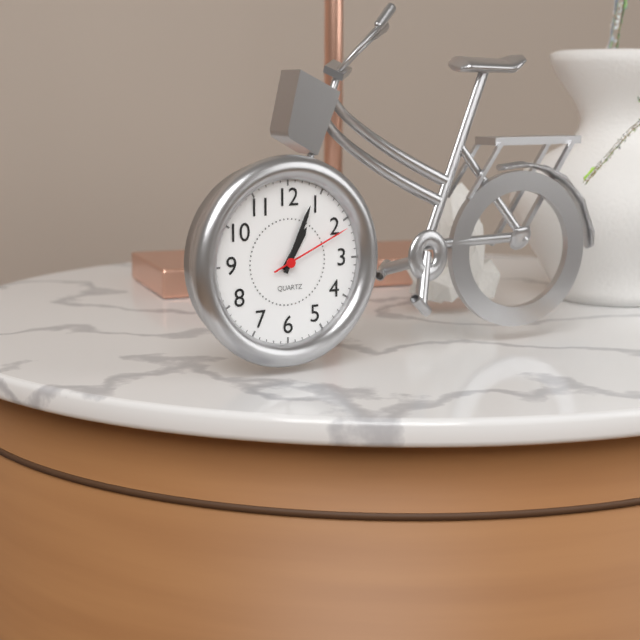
1:04:11
